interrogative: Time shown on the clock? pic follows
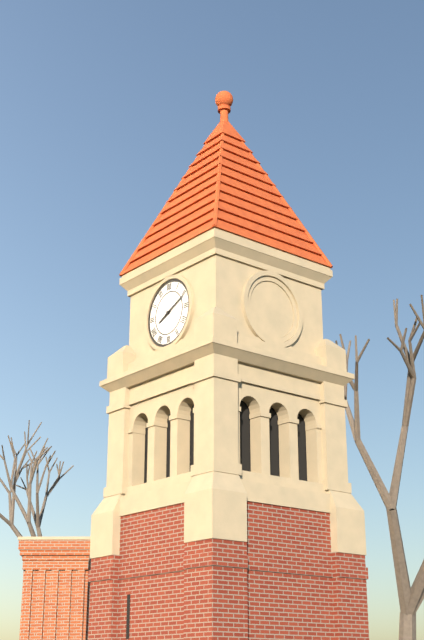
8:11
